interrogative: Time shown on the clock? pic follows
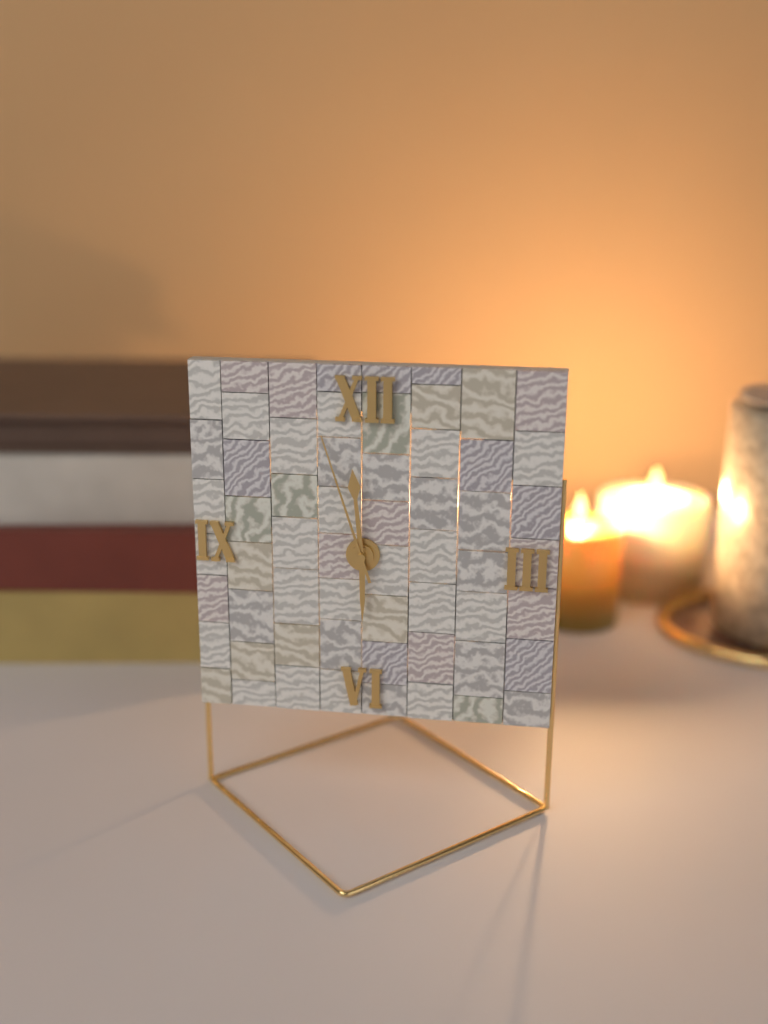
5:59:57
